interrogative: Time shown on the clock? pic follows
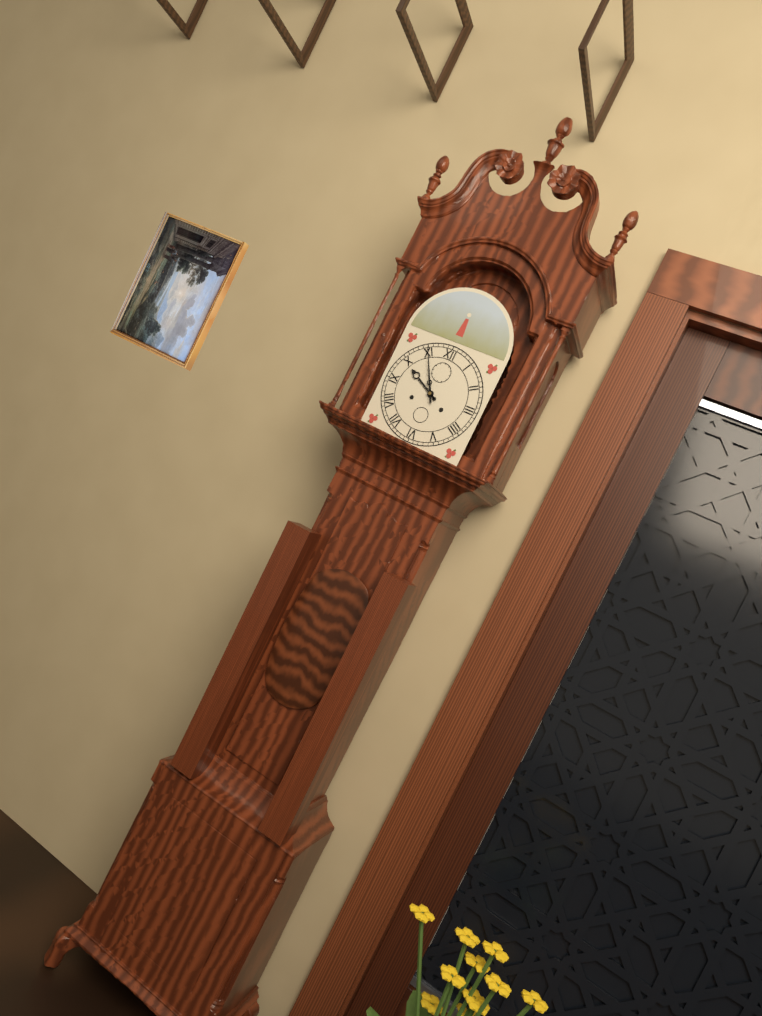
9:55
